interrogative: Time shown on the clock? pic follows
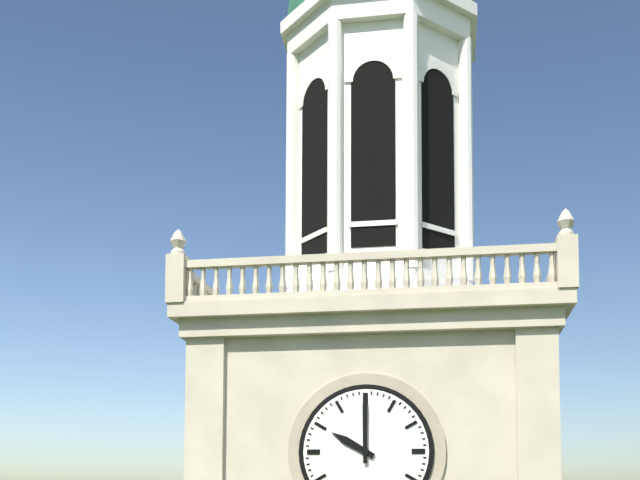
10:00
